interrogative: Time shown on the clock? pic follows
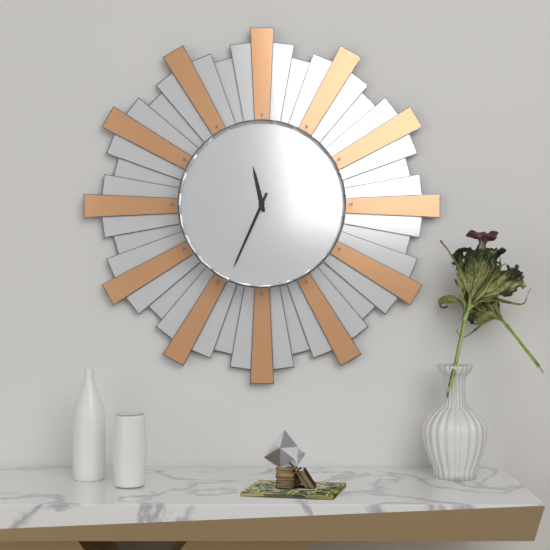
11:34
